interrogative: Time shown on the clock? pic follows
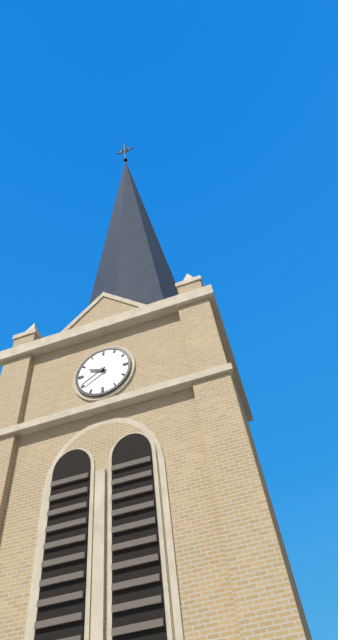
9:40
